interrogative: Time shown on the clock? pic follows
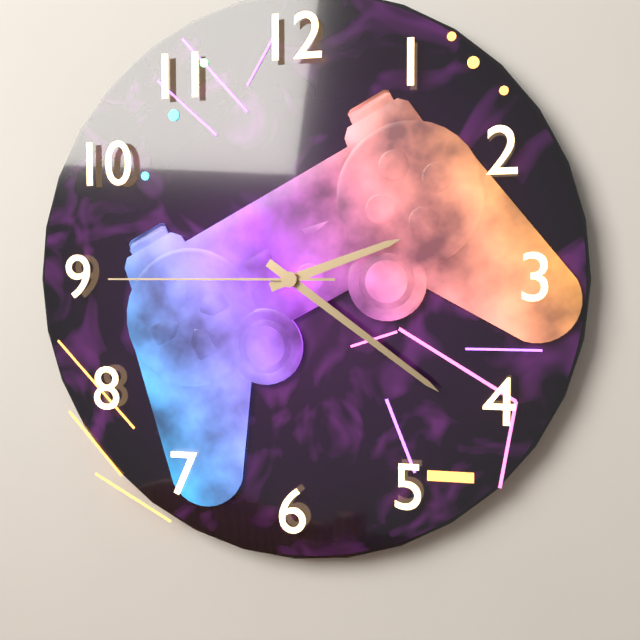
2:21:45
